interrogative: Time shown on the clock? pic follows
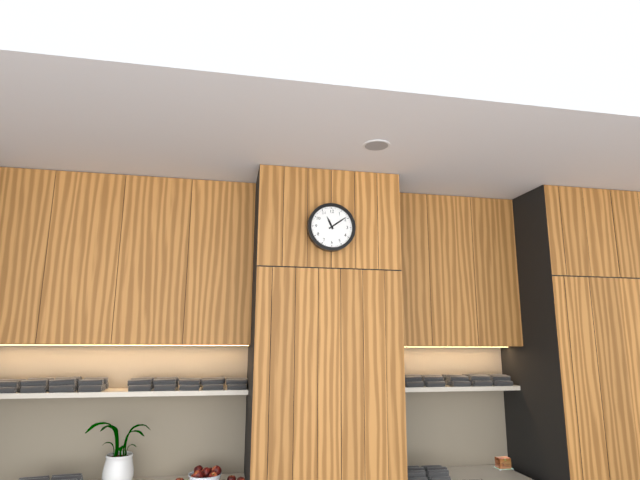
11:09
